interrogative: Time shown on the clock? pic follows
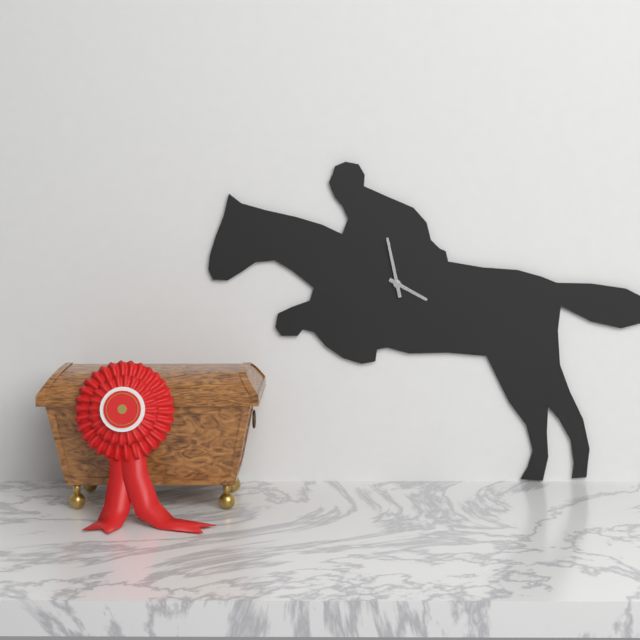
3:58
